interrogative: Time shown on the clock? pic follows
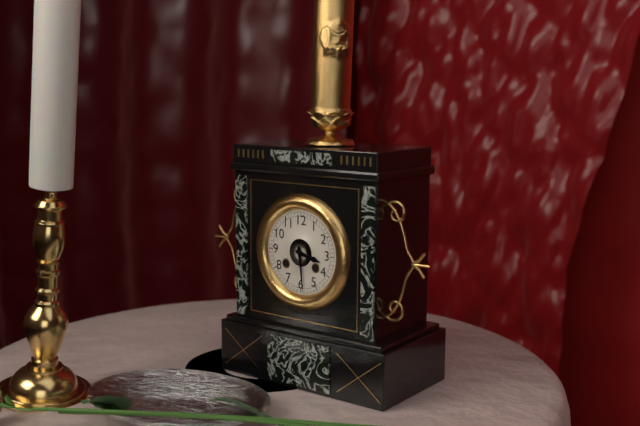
3:29
